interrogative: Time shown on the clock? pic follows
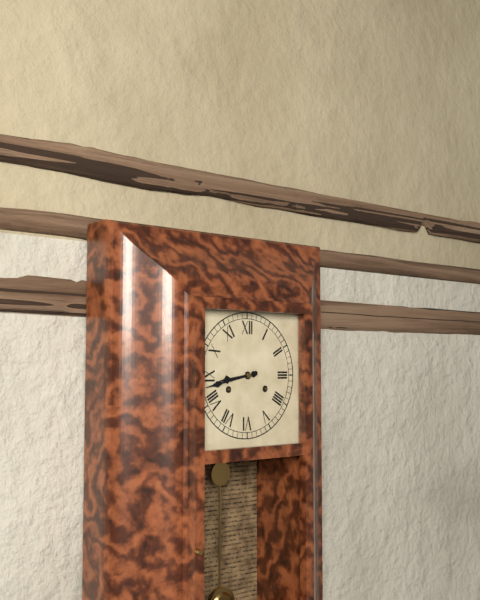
8:43
